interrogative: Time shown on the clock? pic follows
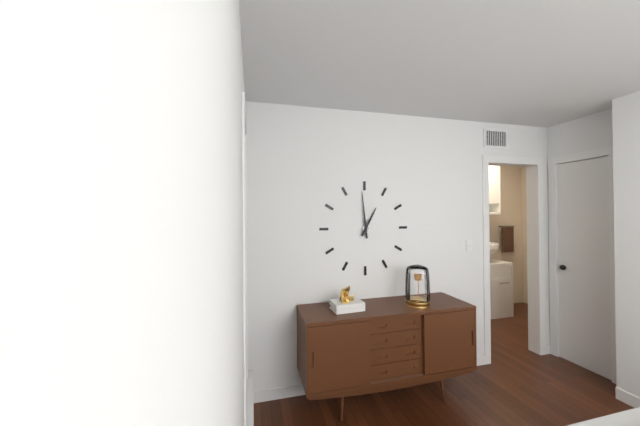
12:59
